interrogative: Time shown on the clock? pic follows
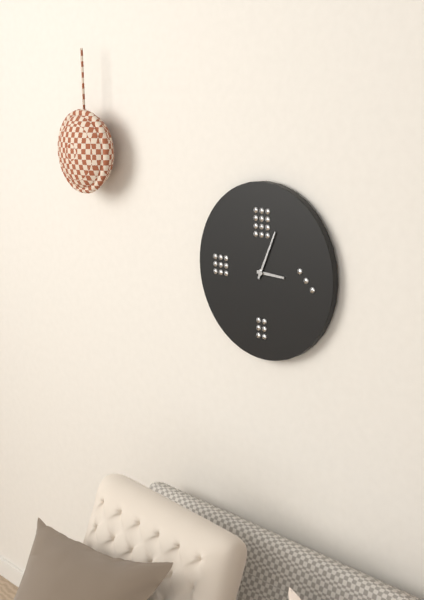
3:04
